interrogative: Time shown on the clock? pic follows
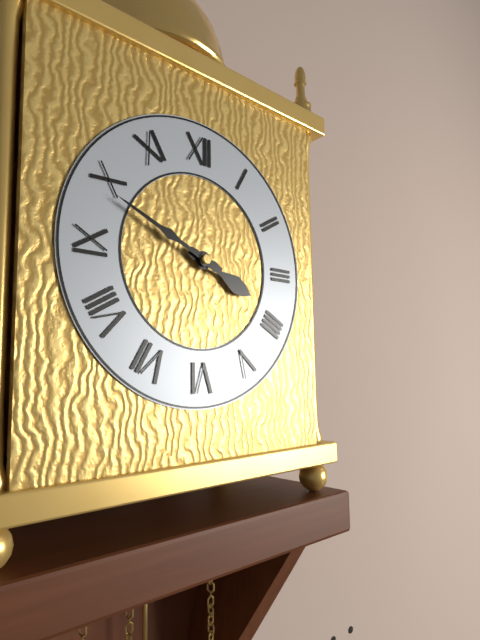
3:49
